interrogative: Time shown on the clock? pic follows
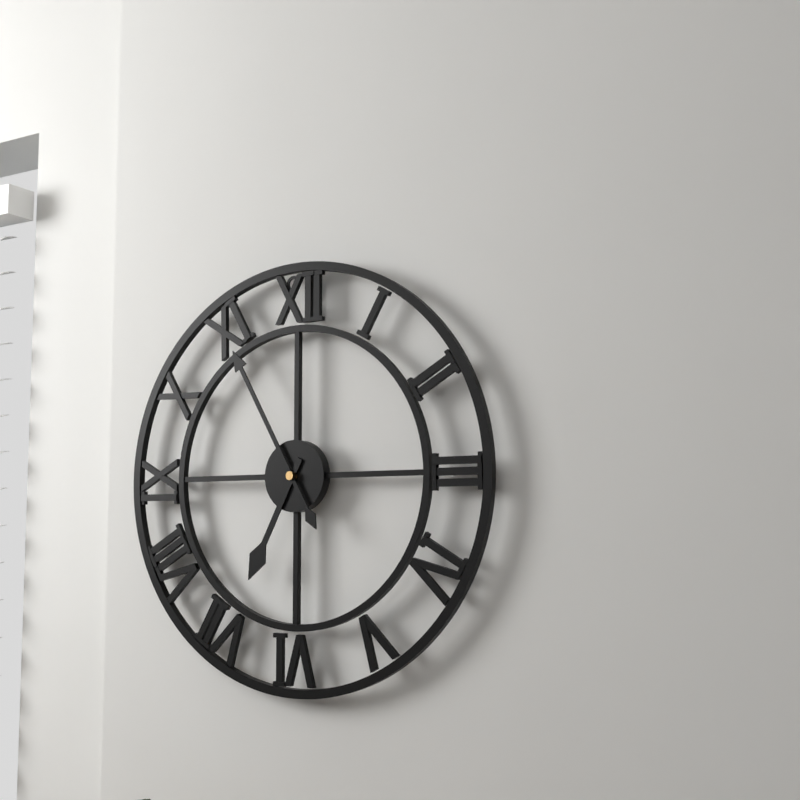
6:55
